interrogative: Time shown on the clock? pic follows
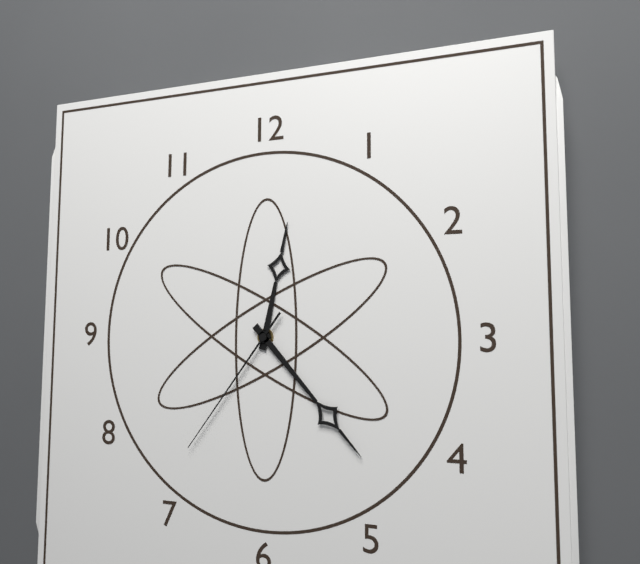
12:23:36
